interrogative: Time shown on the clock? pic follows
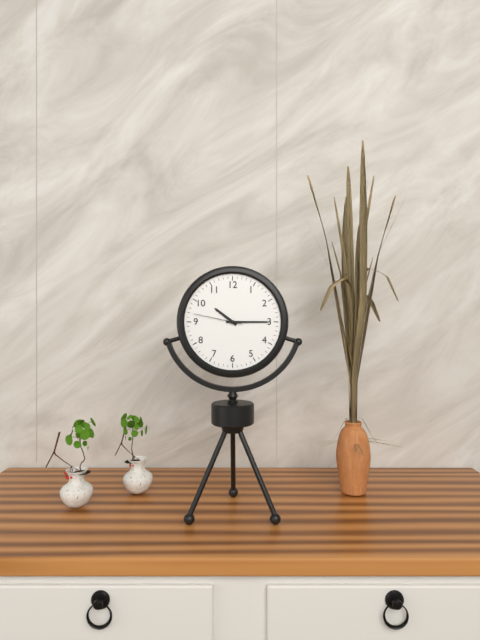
10:15:47
